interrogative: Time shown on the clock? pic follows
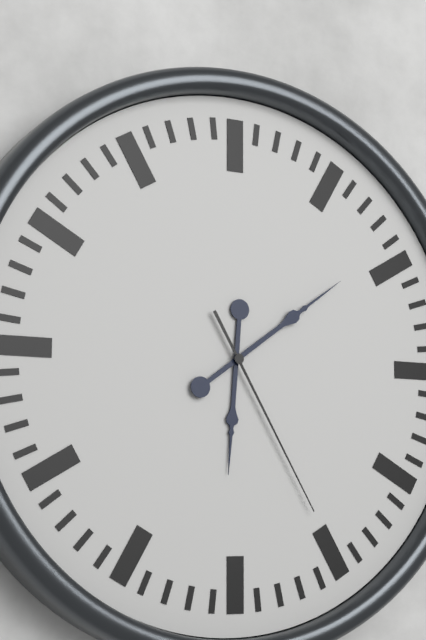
6:09:25
